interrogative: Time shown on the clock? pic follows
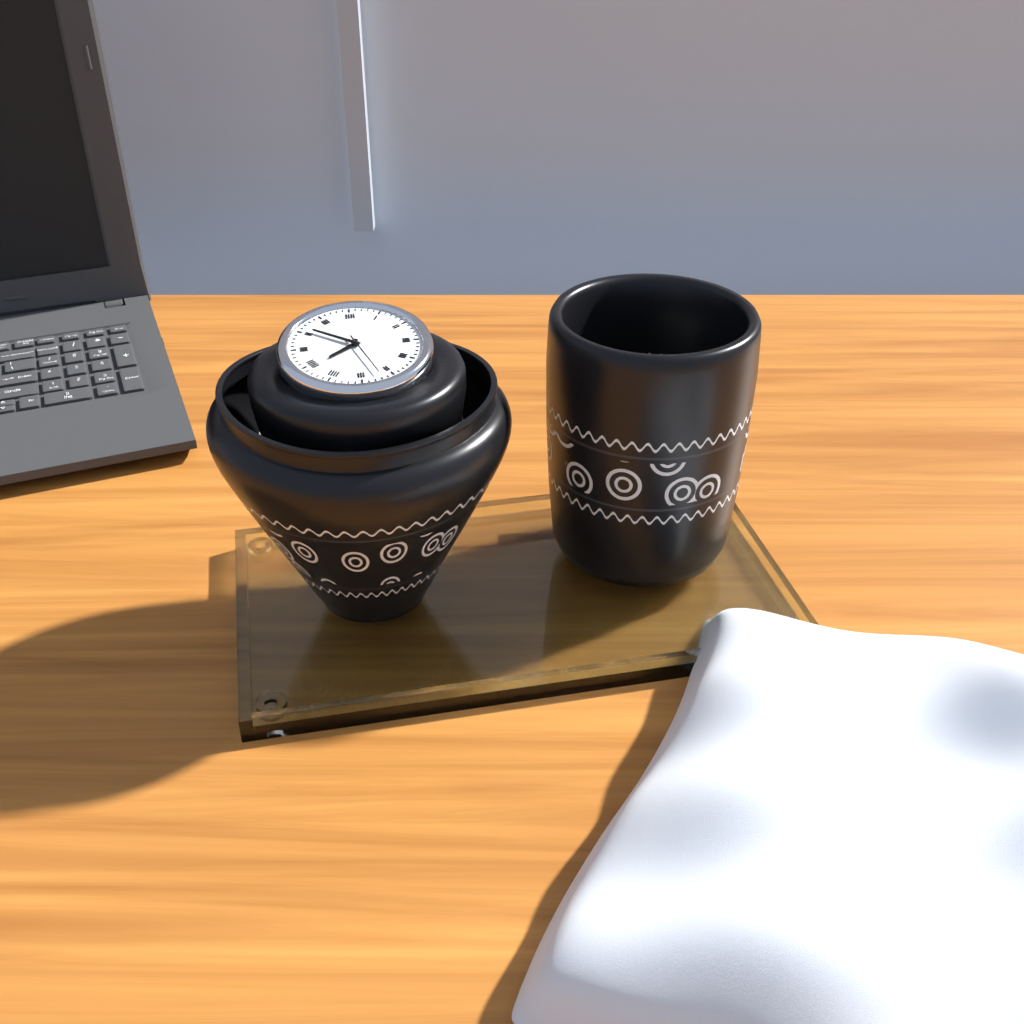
7:51
